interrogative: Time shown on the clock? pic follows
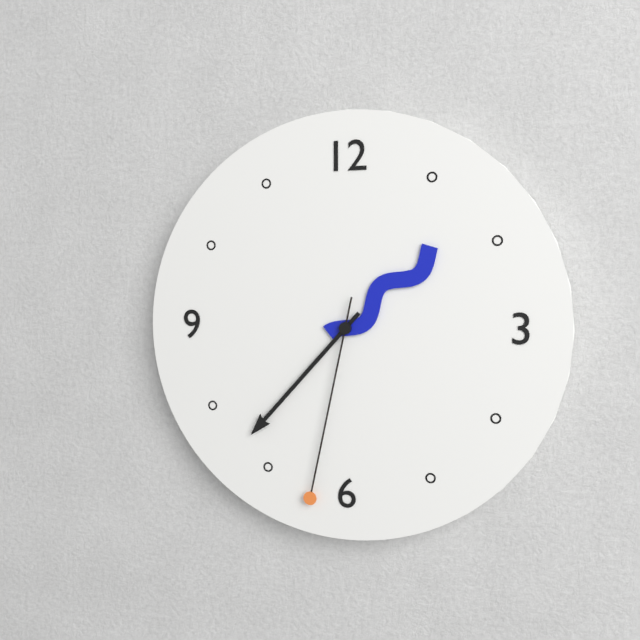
1:37:32
